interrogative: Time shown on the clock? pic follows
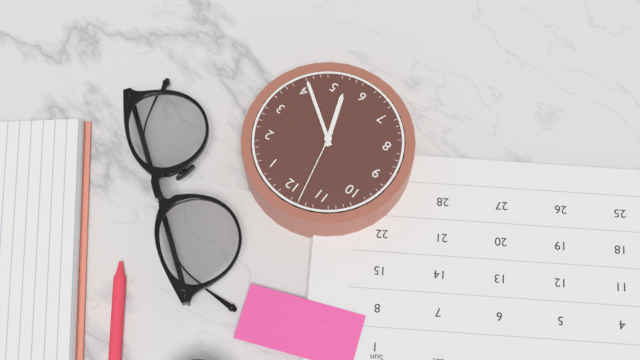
5:21:58
